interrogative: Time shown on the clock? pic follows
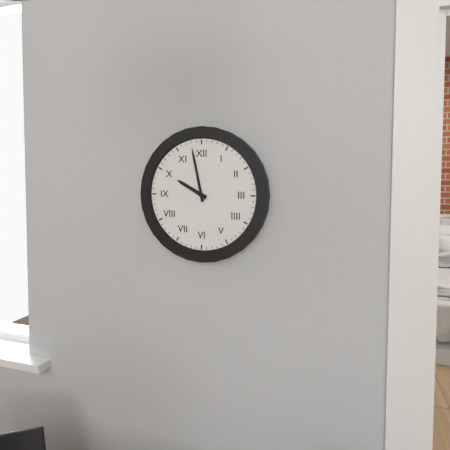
9:58
